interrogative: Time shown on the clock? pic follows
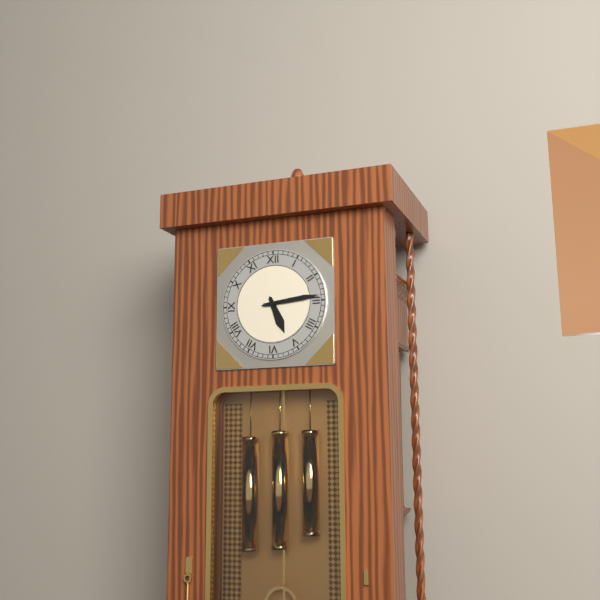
5:14
